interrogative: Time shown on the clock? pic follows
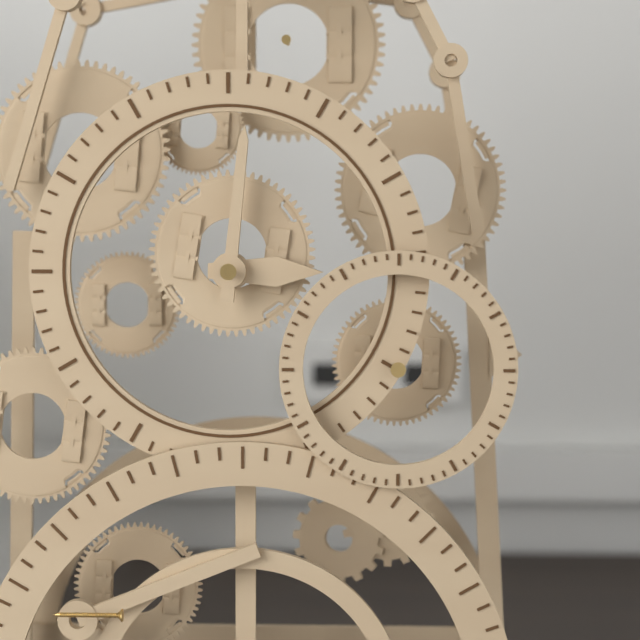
3:01
